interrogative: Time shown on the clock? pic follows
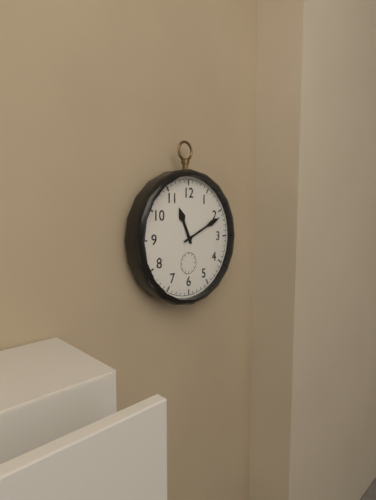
11:11
